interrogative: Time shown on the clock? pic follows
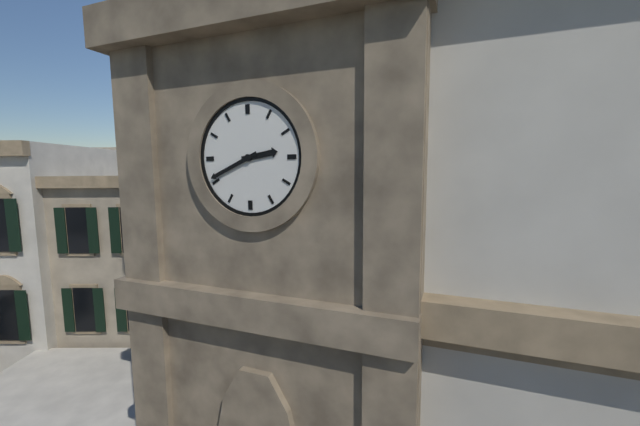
2:41
